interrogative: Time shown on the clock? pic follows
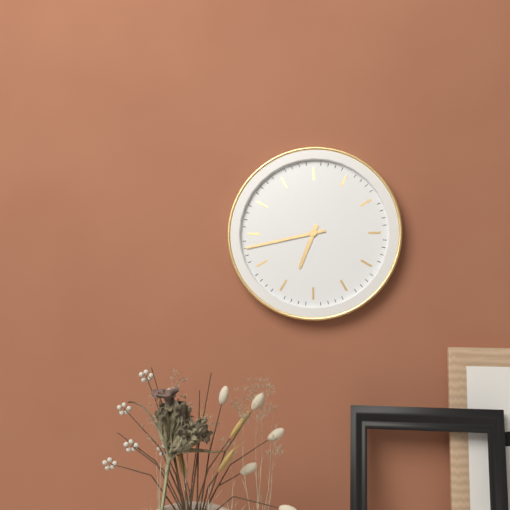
6:43
